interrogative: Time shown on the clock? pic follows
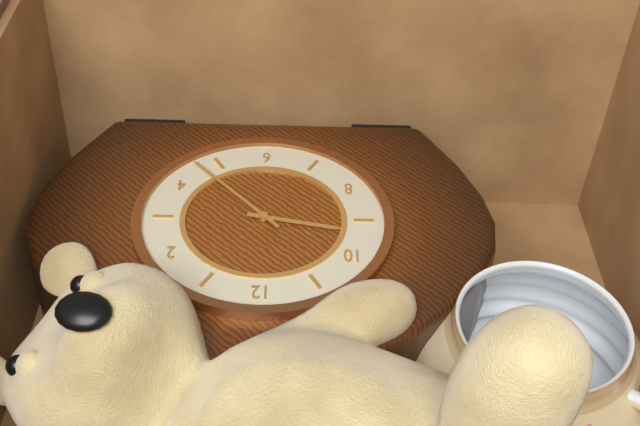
9:23
